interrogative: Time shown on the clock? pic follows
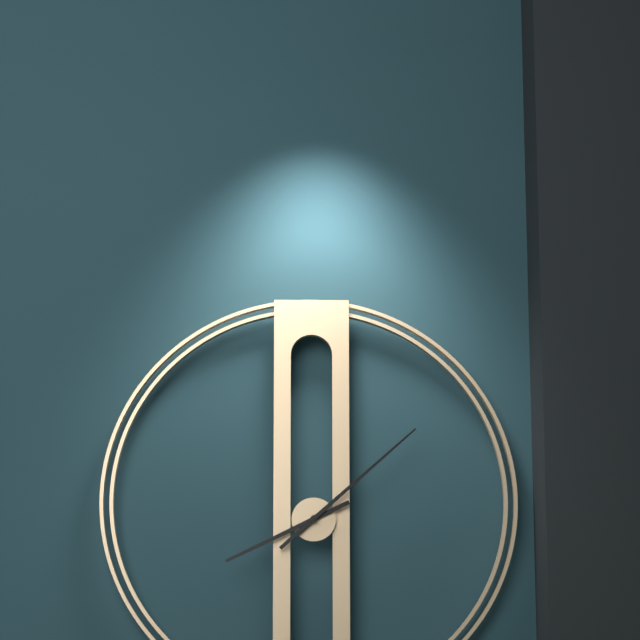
8:08
